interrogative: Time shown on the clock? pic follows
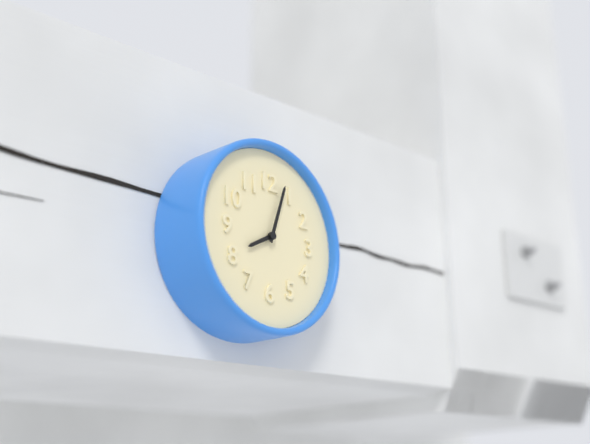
8:03
